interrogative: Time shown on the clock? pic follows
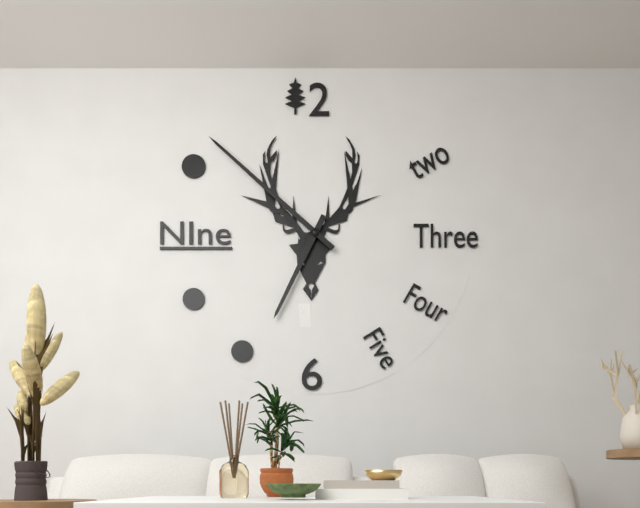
6:52
